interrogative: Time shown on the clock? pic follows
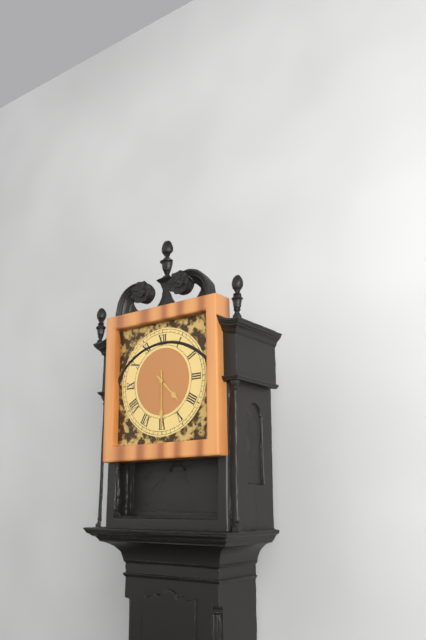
4:30
